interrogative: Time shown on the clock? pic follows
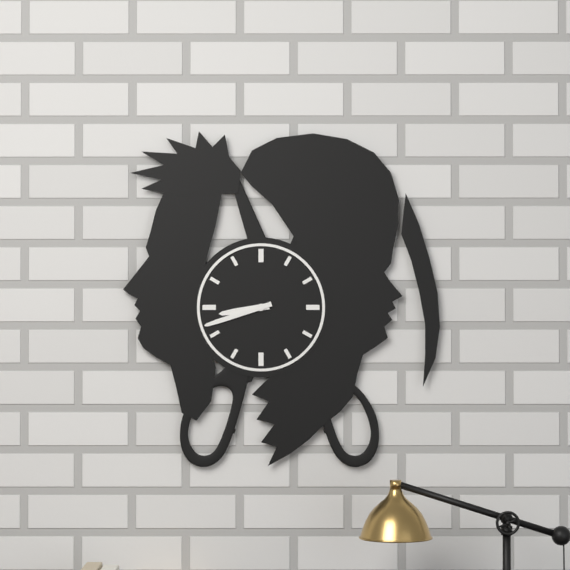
8:42
